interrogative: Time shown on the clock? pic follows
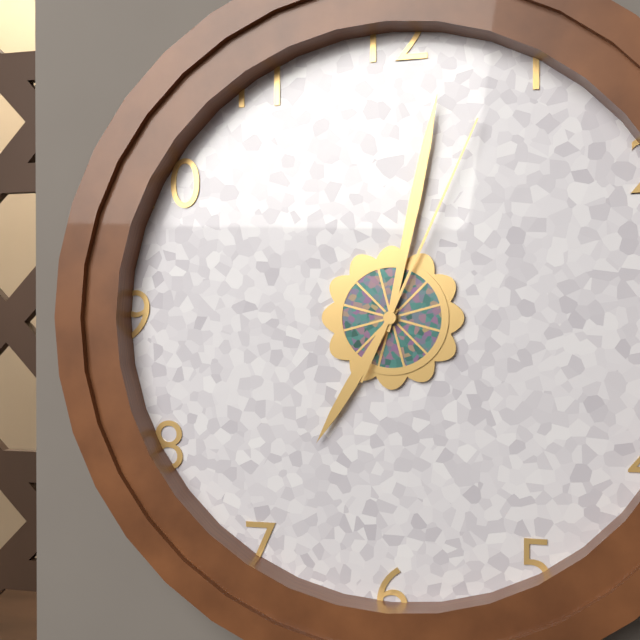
7:02:04
